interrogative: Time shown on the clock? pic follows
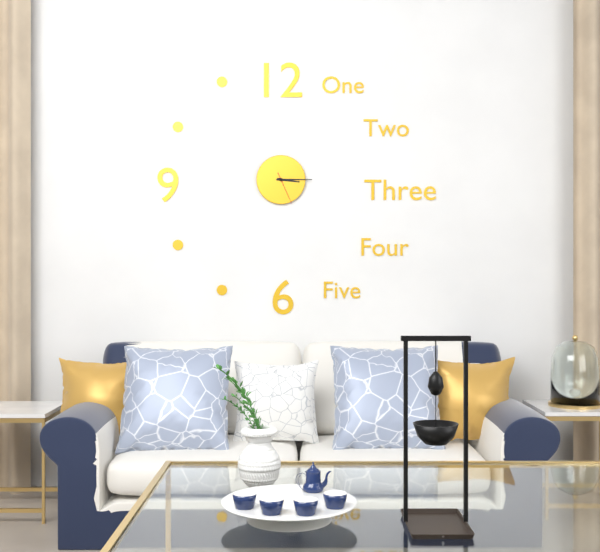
3:15
